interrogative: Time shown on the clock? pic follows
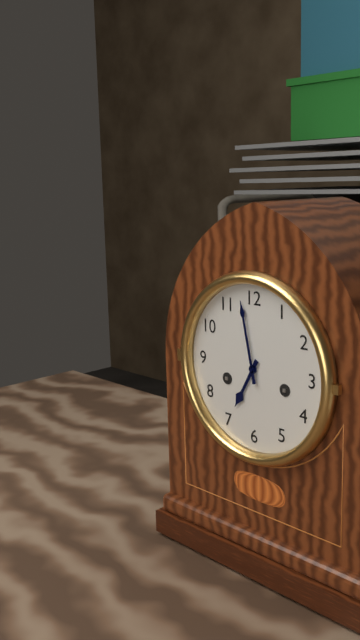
6:58
